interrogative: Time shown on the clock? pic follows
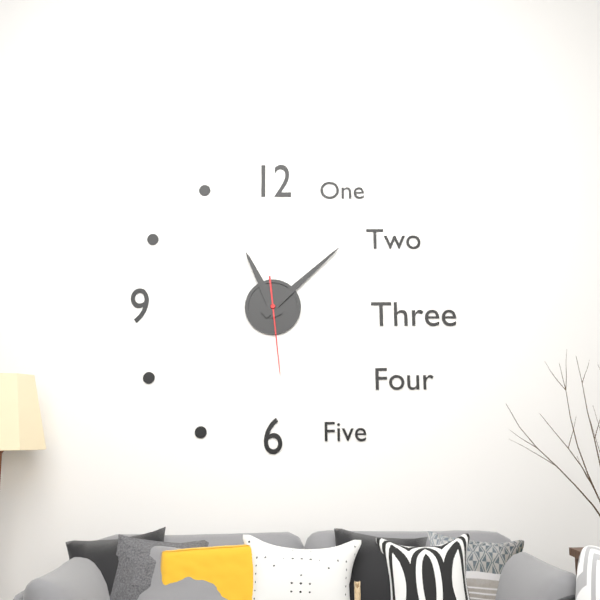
11:08:29
